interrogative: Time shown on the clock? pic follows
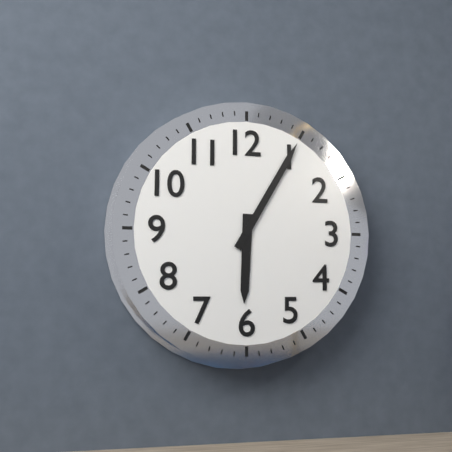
6:05
